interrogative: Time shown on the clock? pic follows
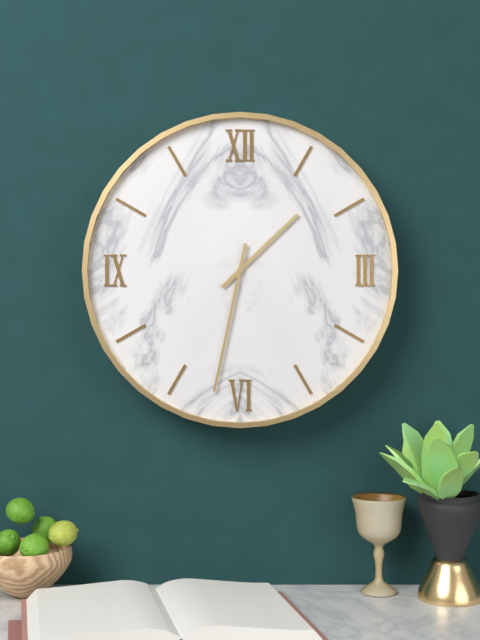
1:32
